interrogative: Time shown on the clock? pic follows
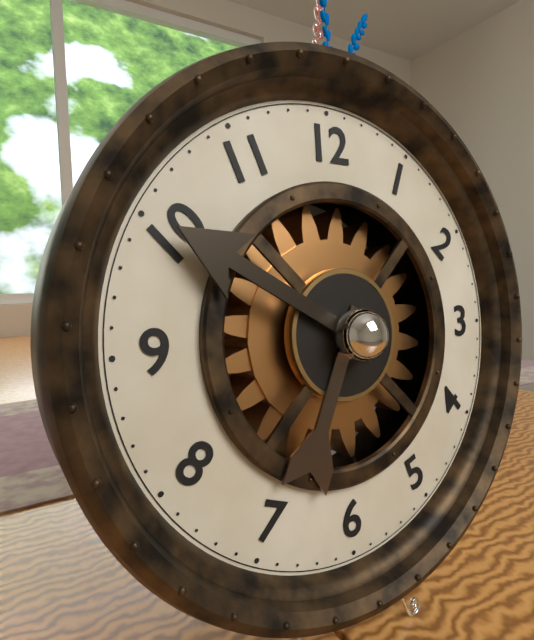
6:50
